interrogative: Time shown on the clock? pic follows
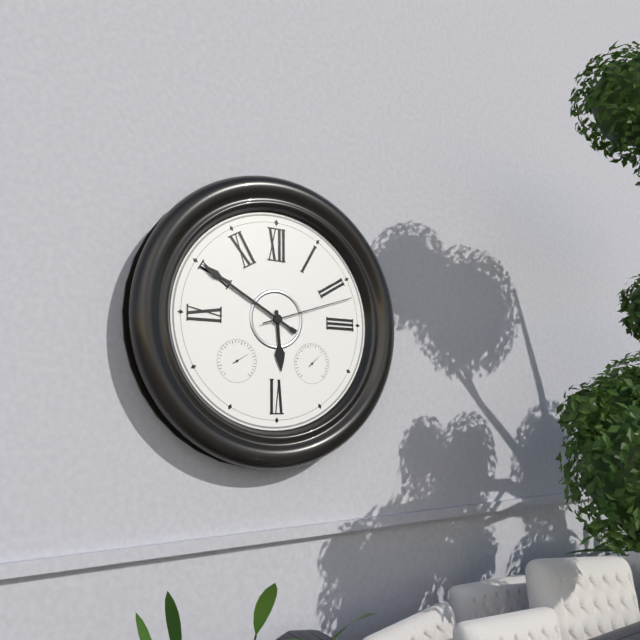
5:50:12
